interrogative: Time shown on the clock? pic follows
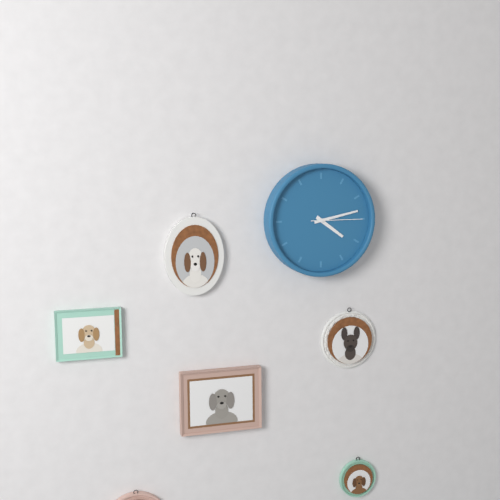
4:13:15
